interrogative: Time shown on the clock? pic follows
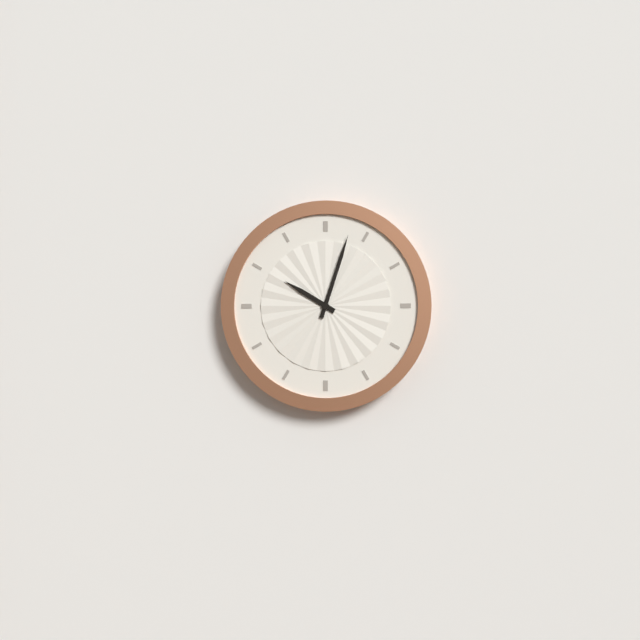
10:03
